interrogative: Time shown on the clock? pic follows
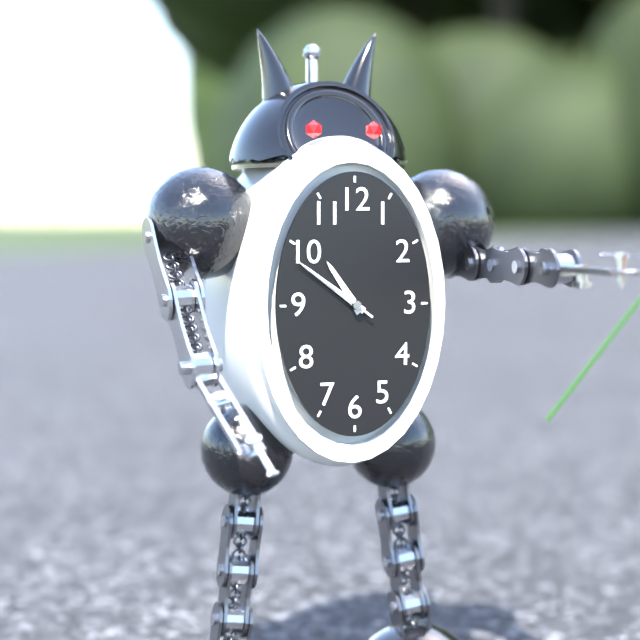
10:51:51
